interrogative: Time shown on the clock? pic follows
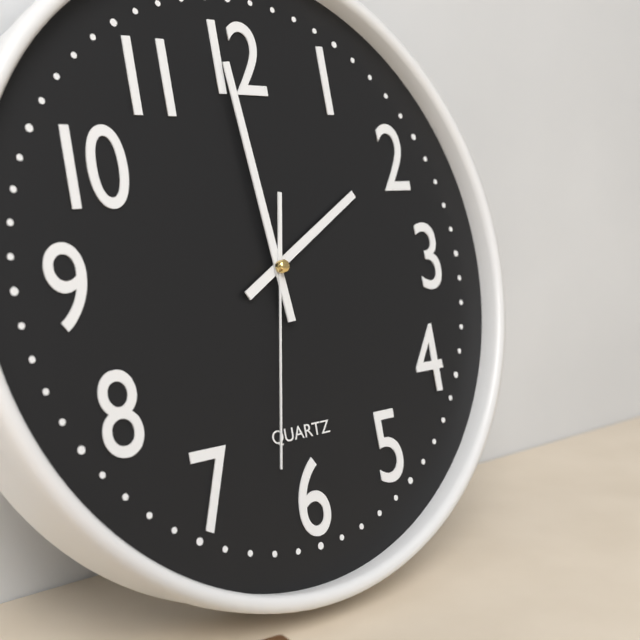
1:59:32
